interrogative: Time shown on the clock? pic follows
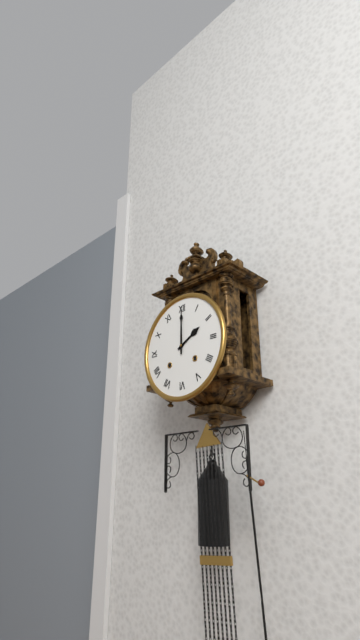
2:00
